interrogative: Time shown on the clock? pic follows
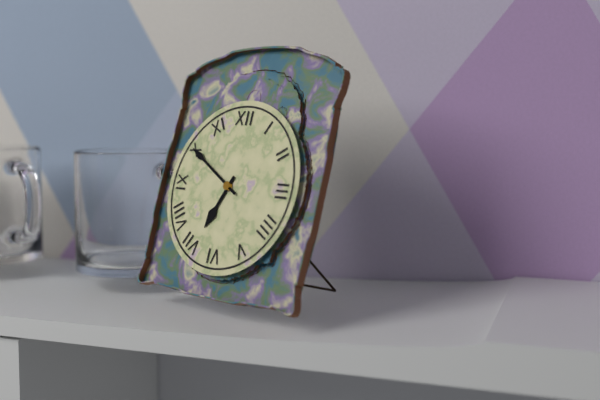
6:50
